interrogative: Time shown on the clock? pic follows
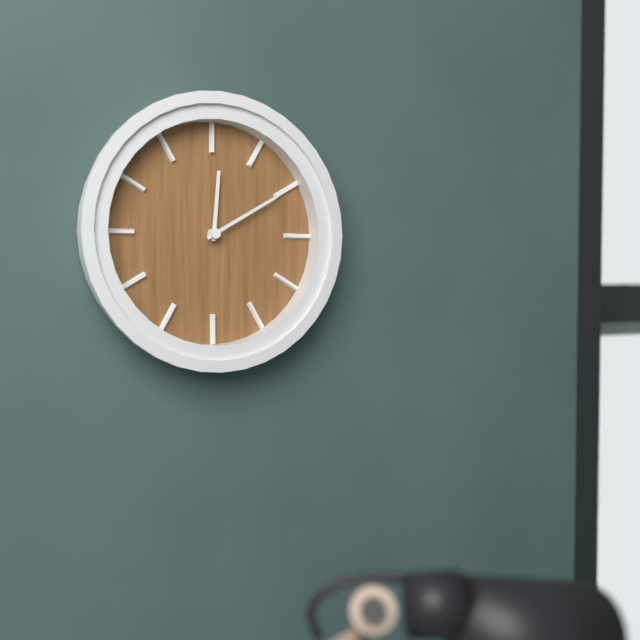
12:10
